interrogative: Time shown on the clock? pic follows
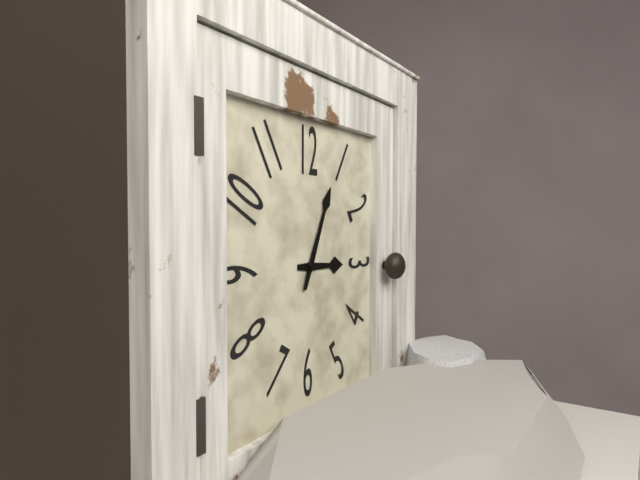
3:04
